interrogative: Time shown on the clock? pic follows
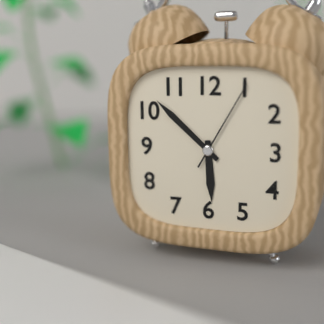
5:52:05
